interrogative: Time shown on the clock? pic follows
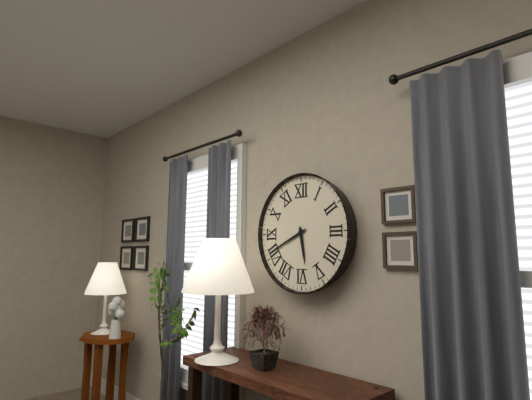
5:41
